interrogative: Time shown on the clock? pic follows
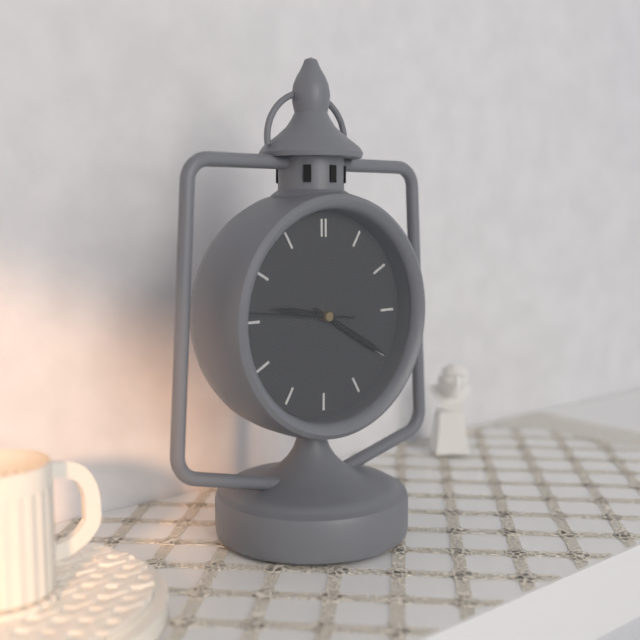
9:20:46
